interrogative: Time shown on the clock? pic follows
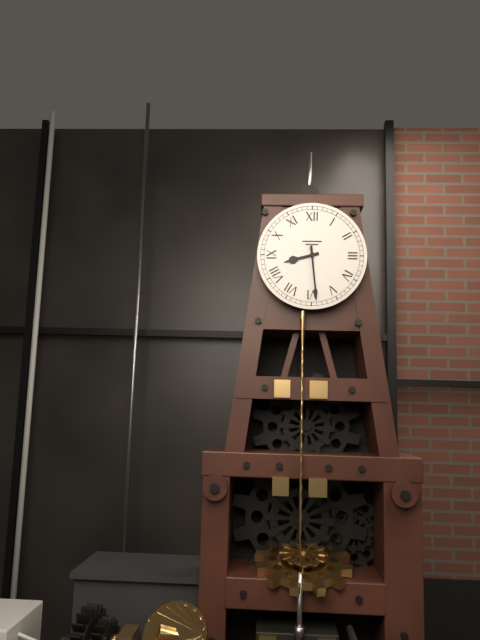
8:29
